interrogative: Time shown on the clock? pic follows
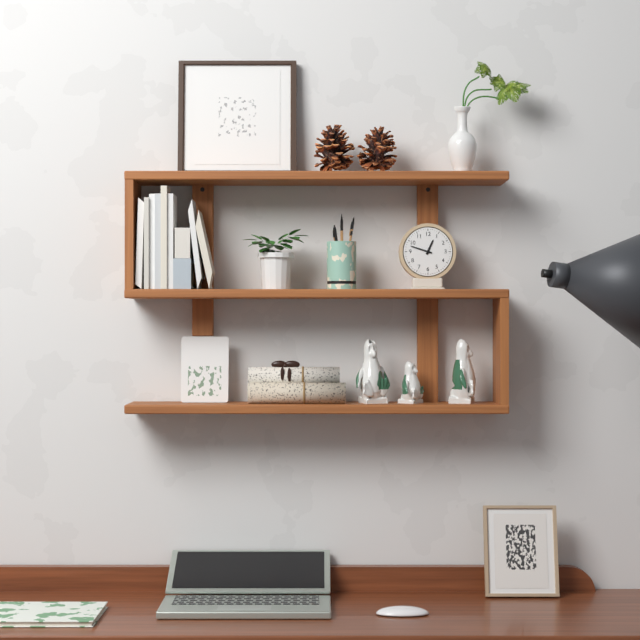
12:48
